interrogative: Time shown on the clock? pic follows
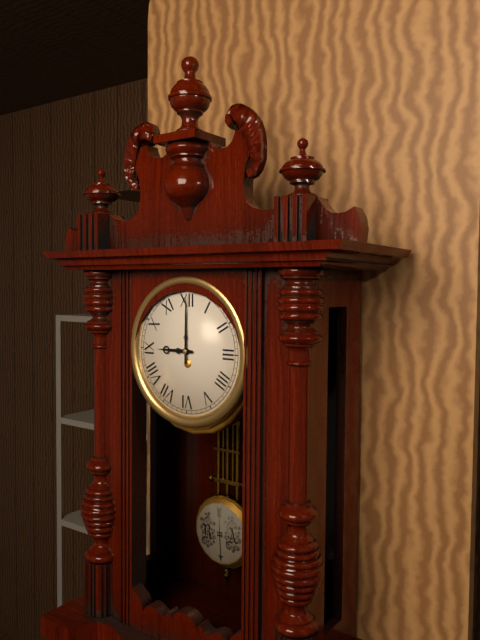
9:00
